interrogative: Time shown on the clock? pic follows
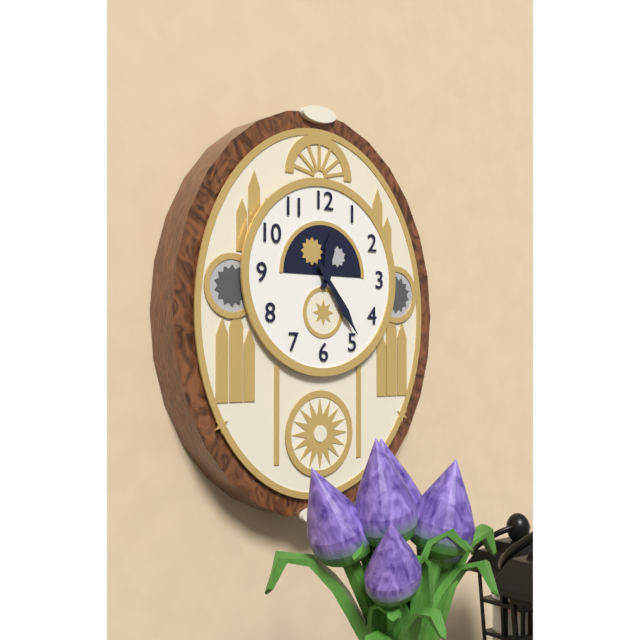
12:24
